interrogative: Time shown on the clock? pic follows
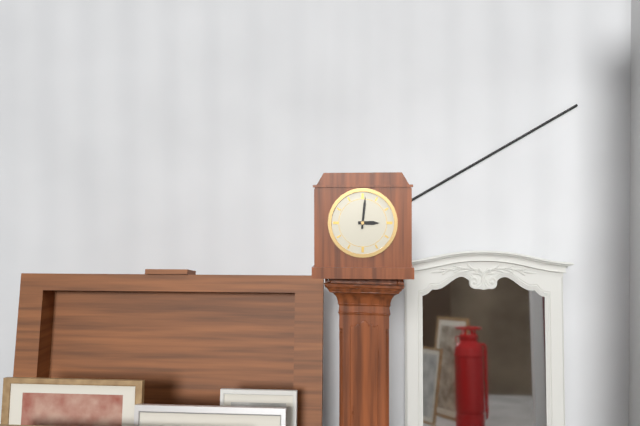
3:01
